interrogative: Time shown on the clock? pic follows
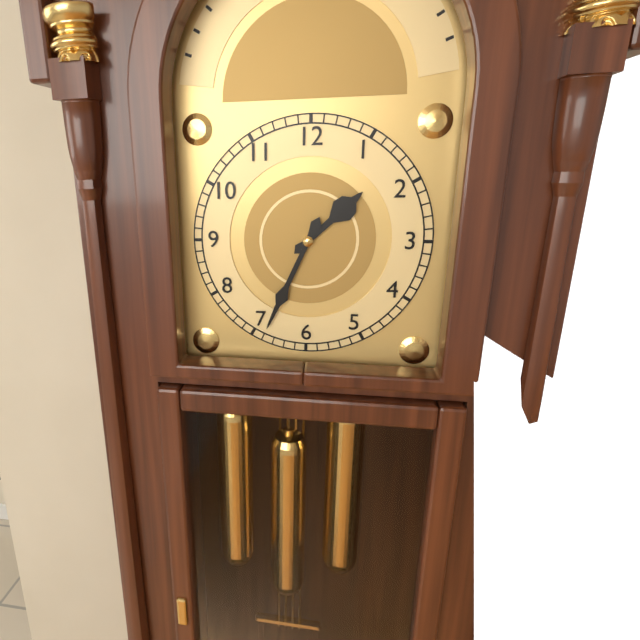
1:34
